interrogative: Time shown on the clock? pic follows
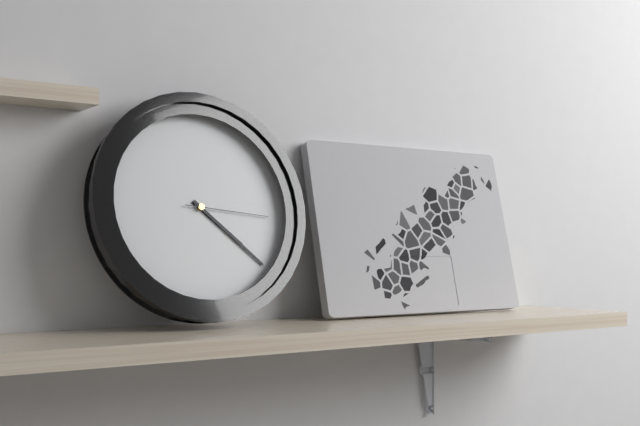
4:22:16
